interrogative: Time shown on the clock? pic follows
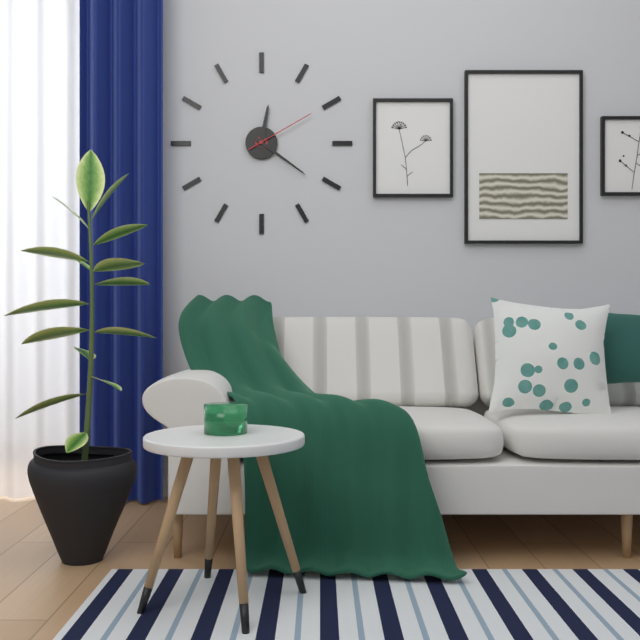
12:21:10
